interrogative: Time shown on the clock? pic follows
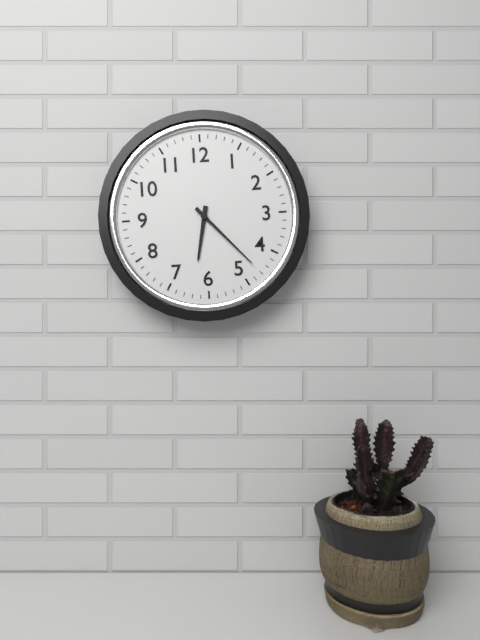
6:23
